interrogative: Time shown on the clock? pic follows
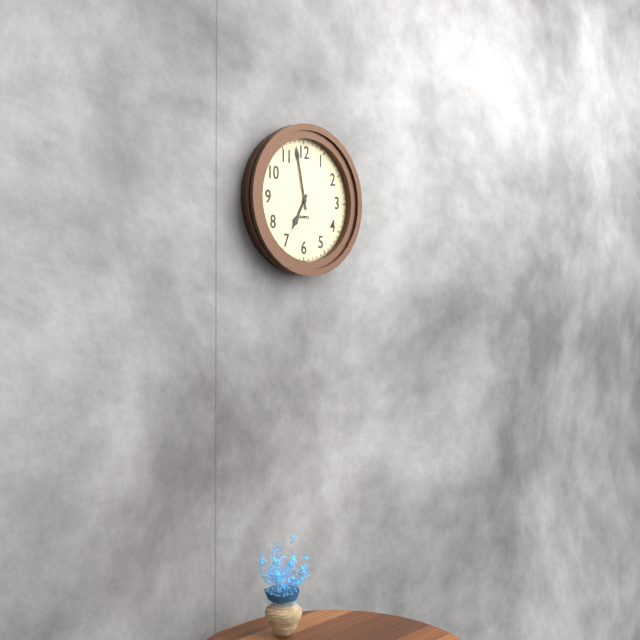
6:58
